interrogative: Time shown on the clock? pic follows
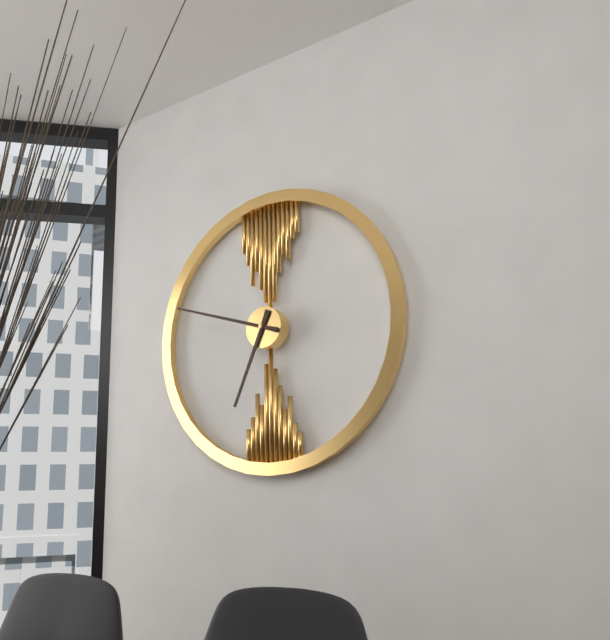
6:48
